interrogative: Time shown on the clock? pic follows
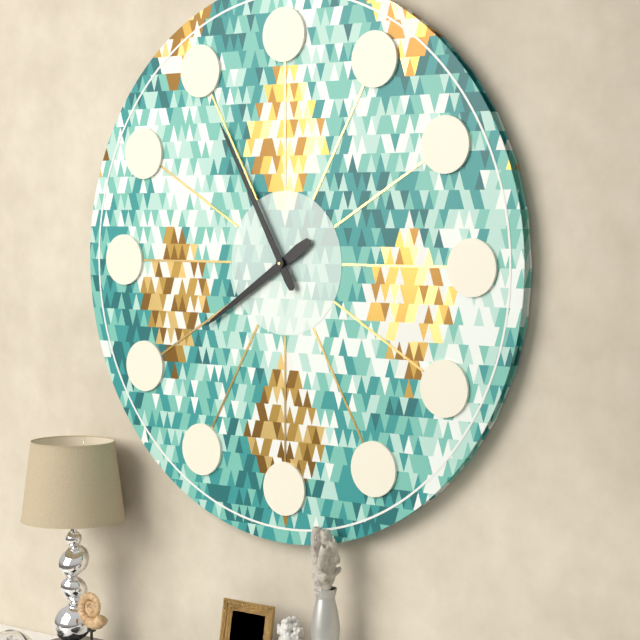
7:55
